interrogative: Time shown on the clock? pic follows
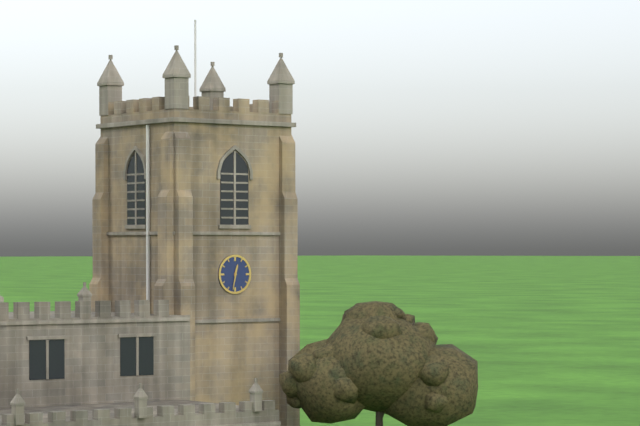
12:32
